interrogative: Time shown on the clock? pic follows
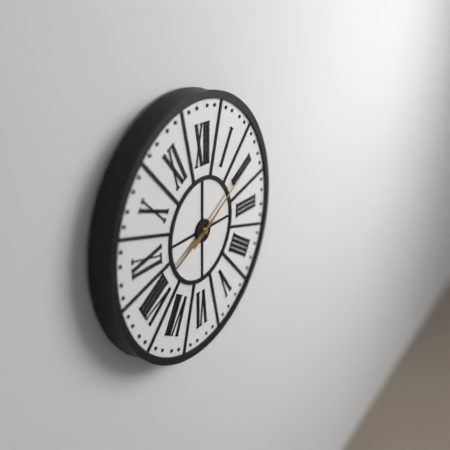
8:10
